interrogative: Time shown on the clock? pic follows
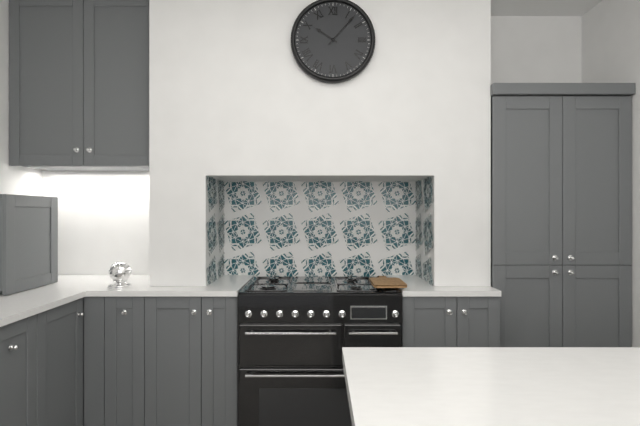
10:07
